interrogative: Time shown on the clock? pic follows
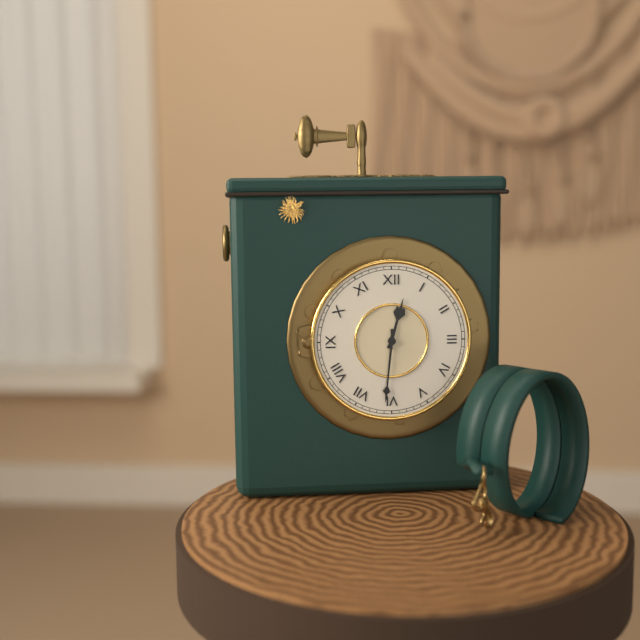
12:31
